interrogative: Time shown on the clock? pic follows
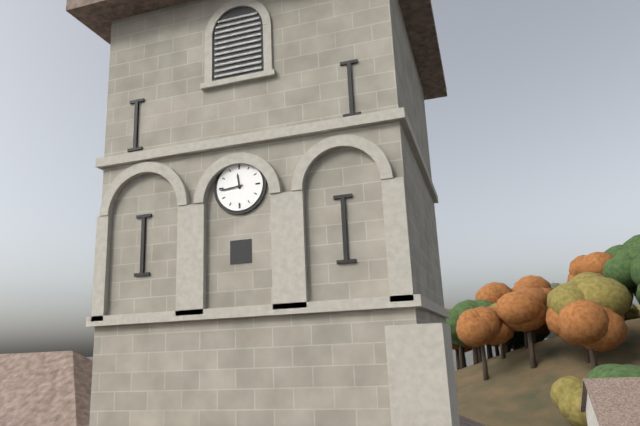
11:44
